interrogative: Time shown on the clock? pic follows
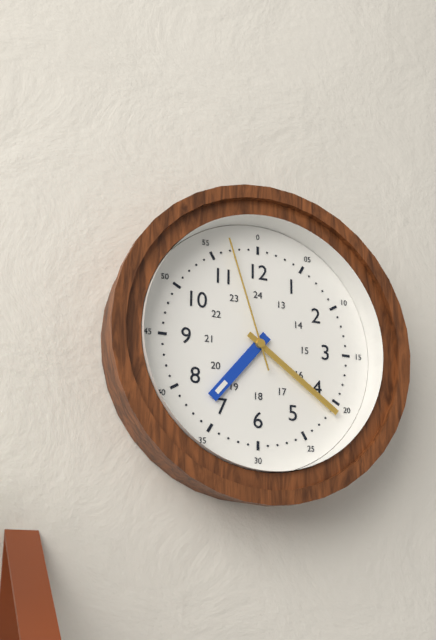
7:21:57
